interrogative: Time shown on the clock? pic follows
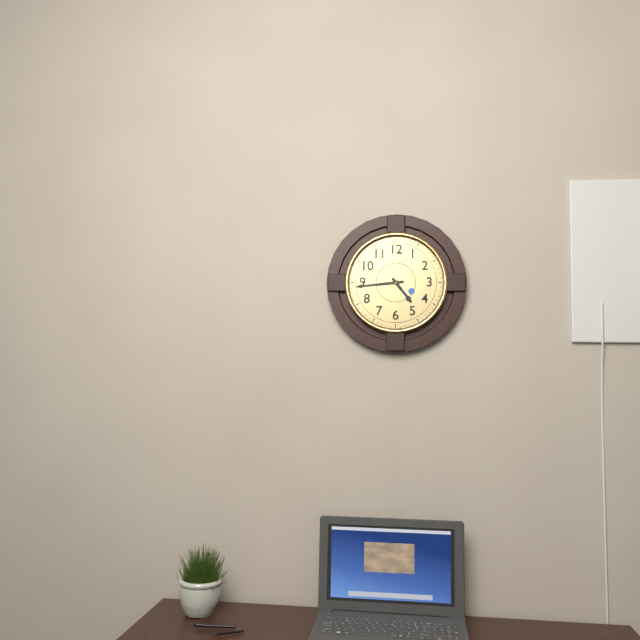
4:44
